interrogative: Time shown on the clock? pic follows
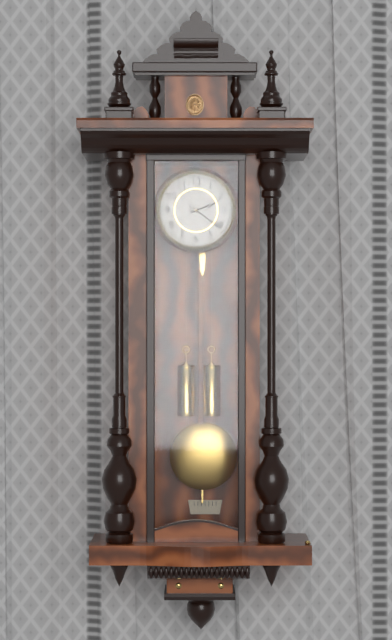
2:21
